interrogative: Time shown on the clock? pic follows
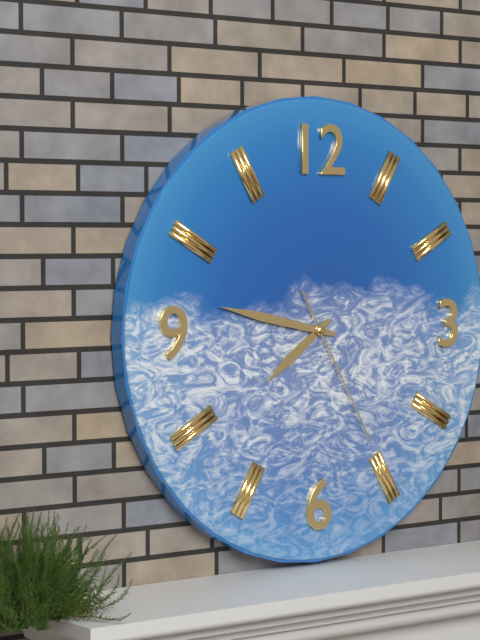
7:47:25
